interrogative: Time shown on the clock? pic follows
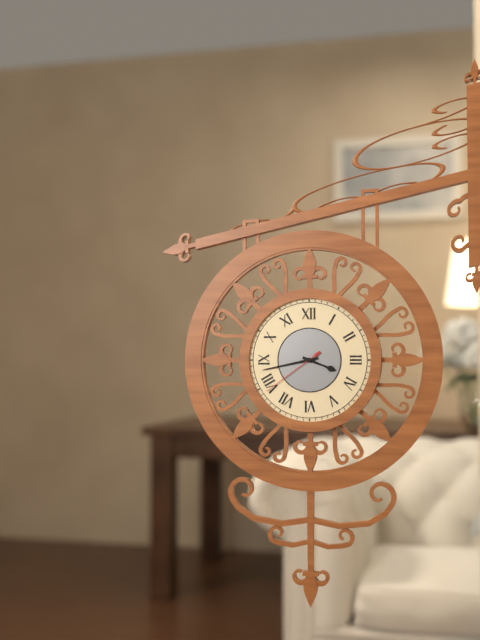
3:43:39
